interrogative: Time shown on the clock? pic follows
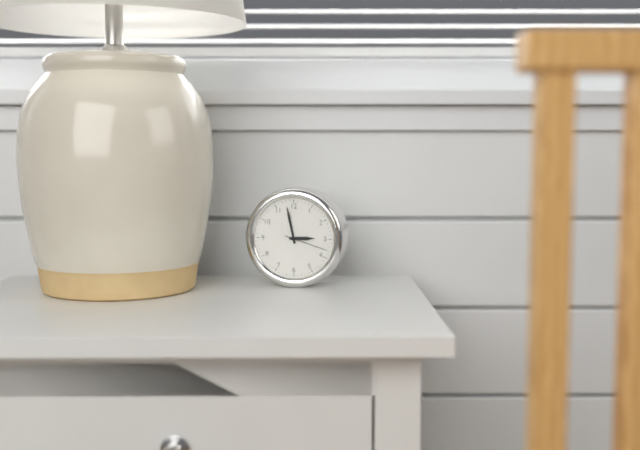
2:58
